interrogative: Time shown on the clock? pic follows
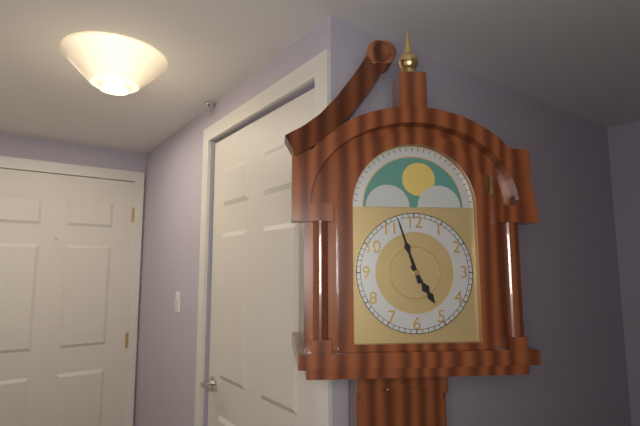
4:57
